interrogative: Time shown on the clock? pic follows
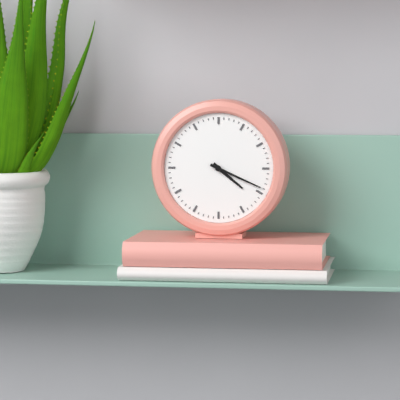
4:19
